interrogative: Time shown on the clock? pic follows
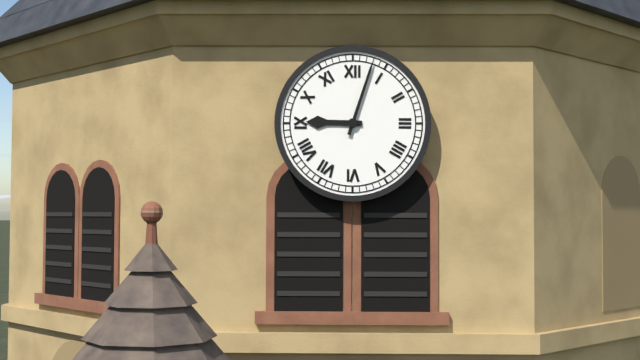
9:03
